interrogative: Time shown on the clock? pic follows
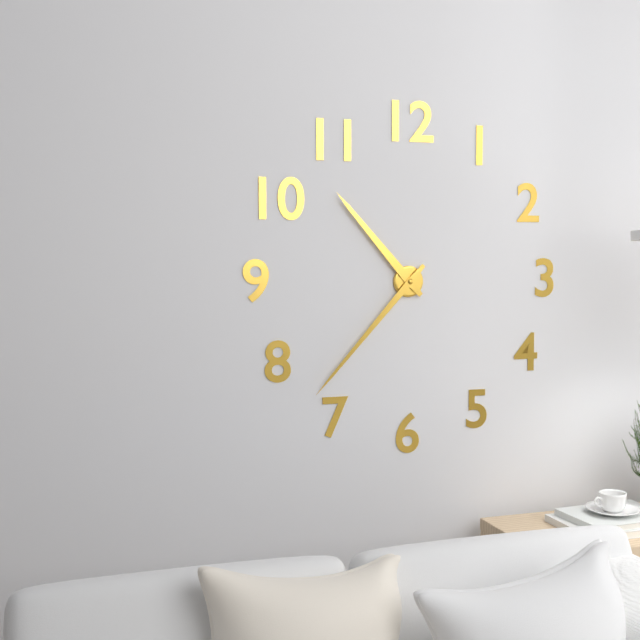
10:37
